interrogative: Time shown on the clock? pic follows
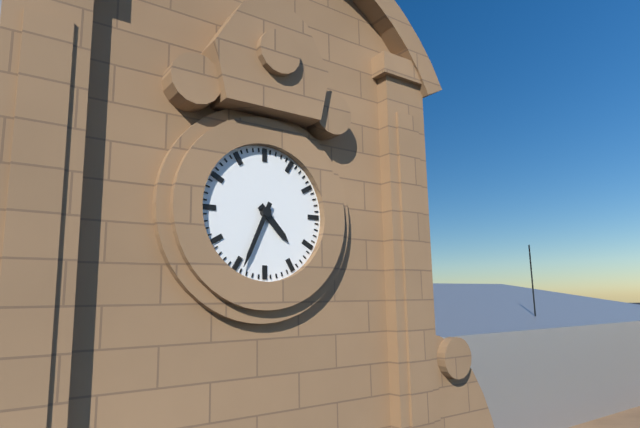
4:34
